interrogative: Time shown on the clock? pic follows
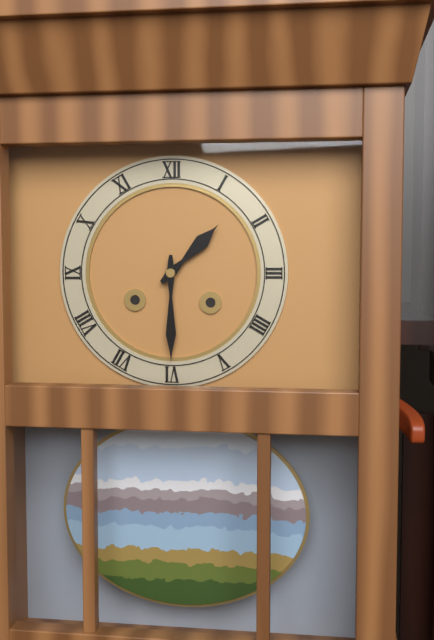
1:30
